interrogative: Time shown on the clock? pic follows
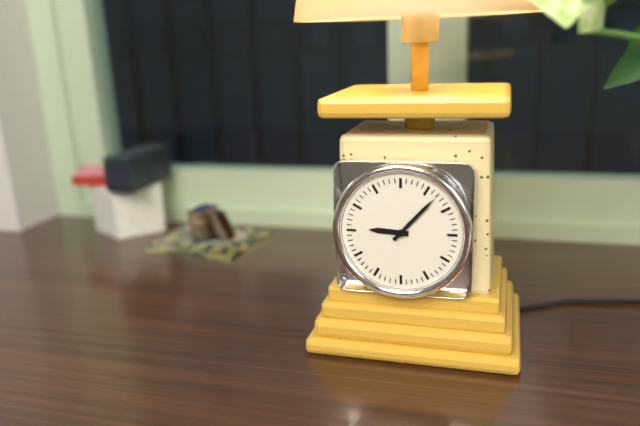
9:07
